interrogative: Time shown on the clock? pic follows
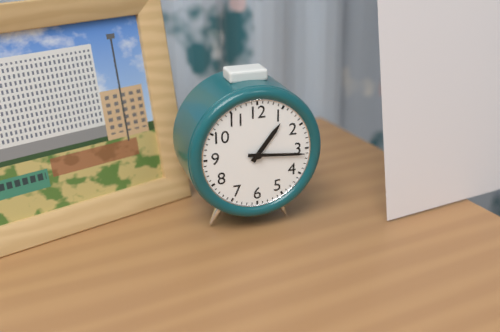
1:16
